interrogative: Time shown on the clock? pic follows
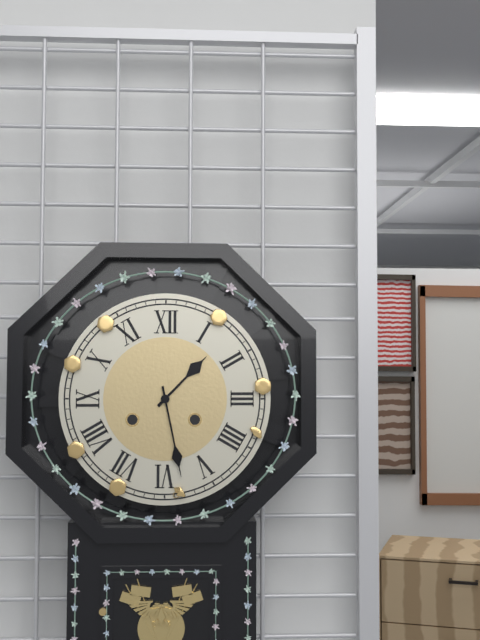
1:28
